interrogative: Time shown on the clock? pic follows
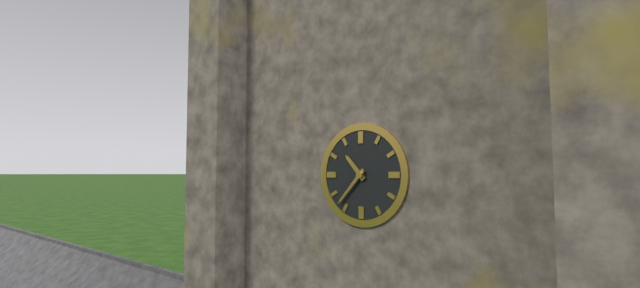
10:37
